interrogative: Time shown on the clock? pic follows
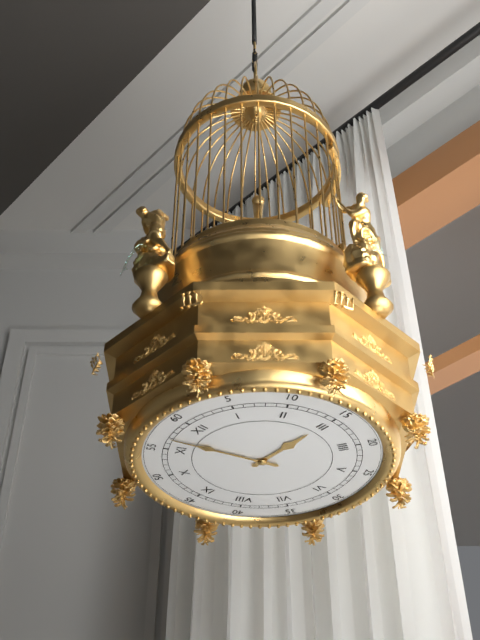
2:57
